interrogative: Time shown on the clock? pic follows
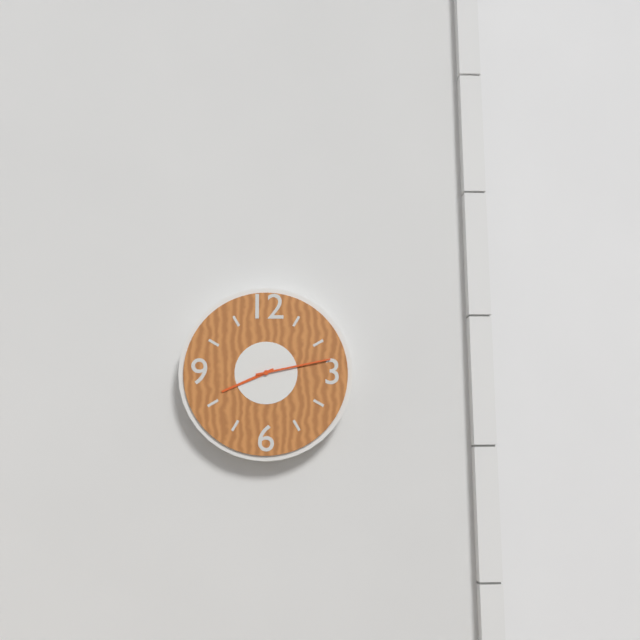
8:13
